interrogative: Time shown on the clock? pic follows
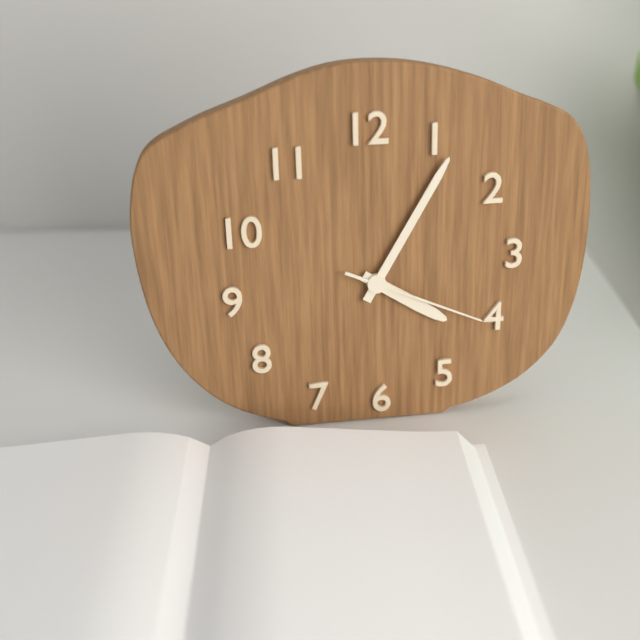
4:05:19
